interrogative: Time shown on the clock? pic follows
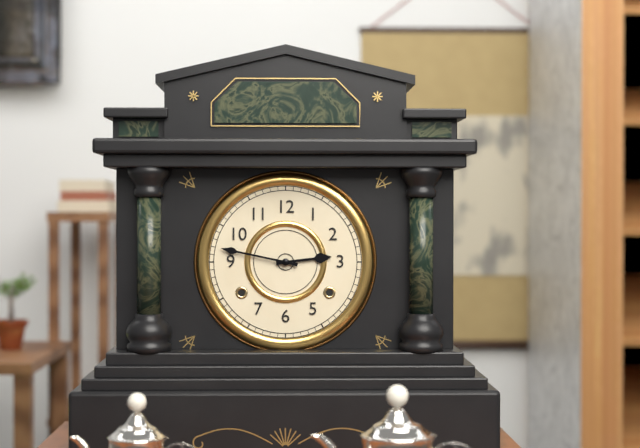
2:47
